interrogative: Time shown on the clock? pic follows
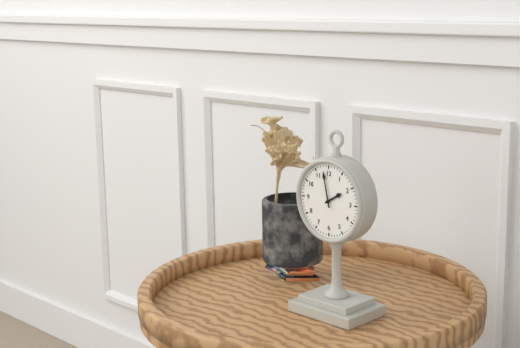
1:58
